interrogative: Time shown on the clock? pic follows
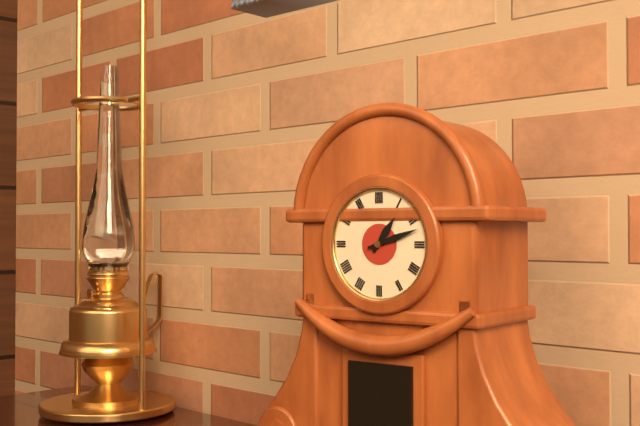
1:12
